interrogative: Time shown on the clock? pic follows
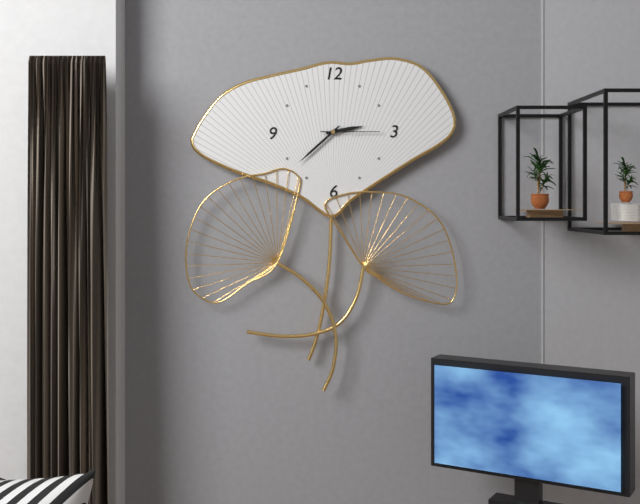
2:38:15
